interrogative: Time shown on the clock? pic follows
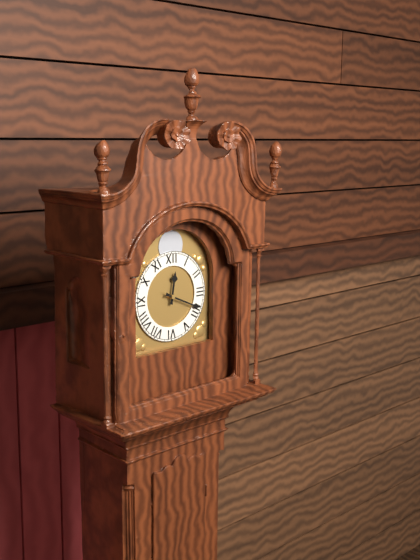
12:19
